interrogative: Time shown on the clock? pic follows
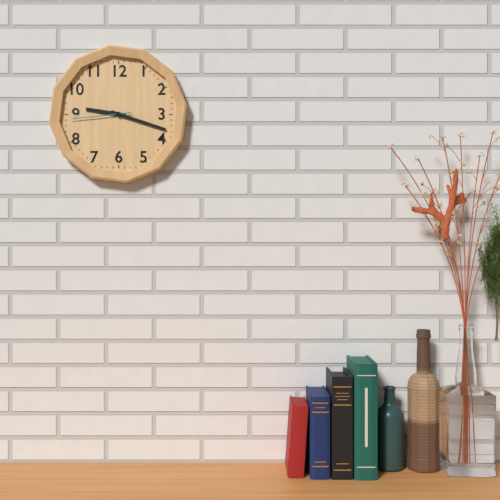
9:18:44
